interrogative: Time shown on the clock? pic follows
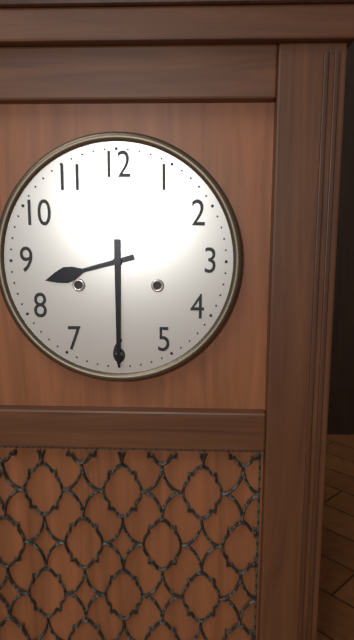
8:30
